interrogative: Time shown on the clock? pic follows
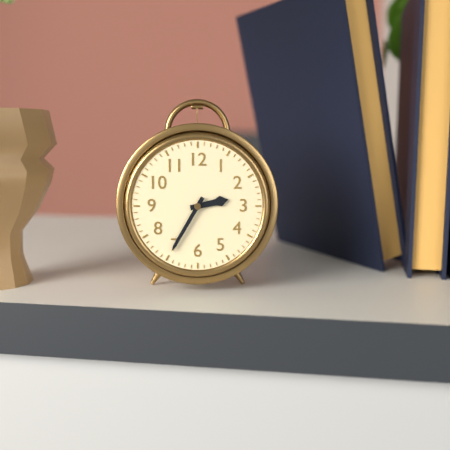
2:35
